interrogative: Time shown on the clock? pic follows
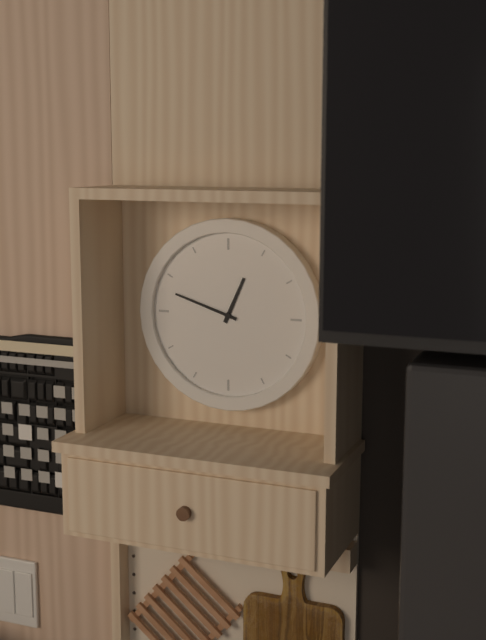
12:48
